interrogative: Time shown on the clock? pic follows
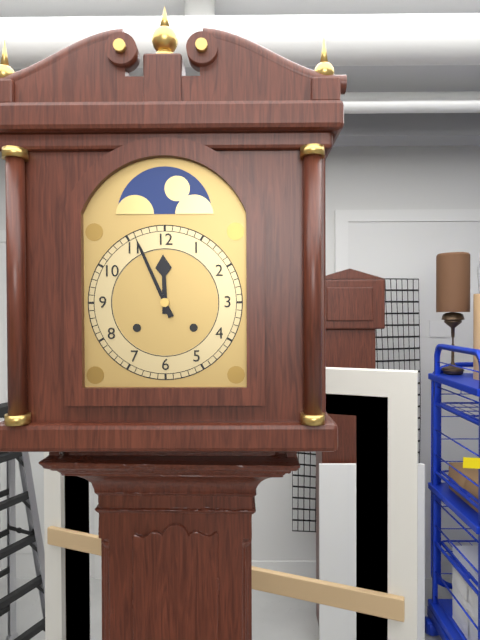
11:56
